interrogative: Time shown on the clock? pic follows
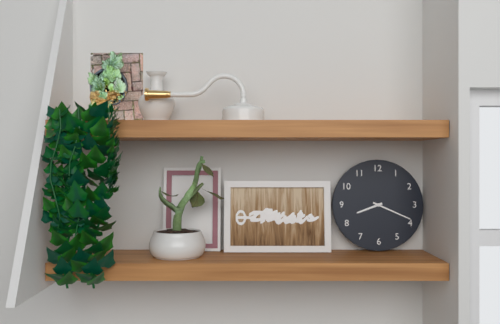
8:19
